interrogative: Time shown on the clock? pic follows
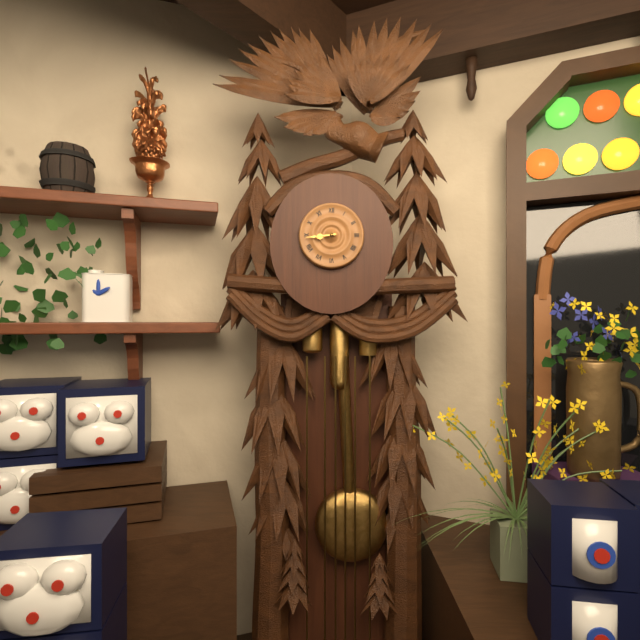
8:44
